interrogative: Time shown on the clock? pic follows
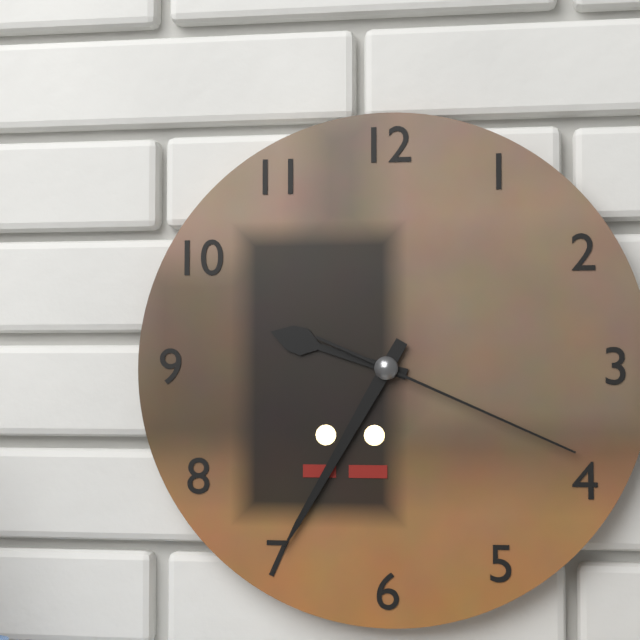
9:35:19
